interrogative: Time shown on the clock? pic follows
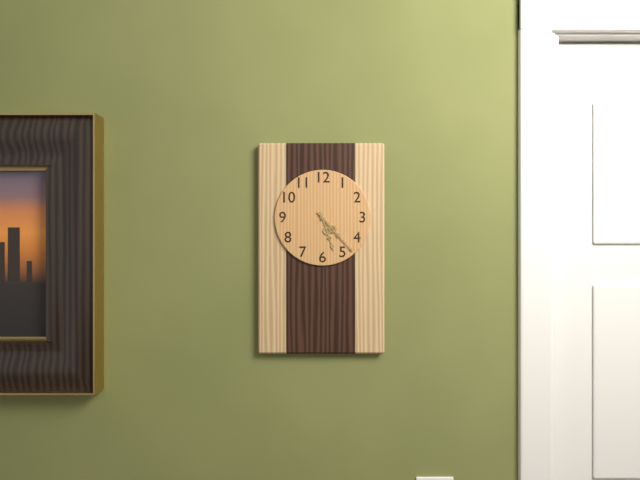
5:23
